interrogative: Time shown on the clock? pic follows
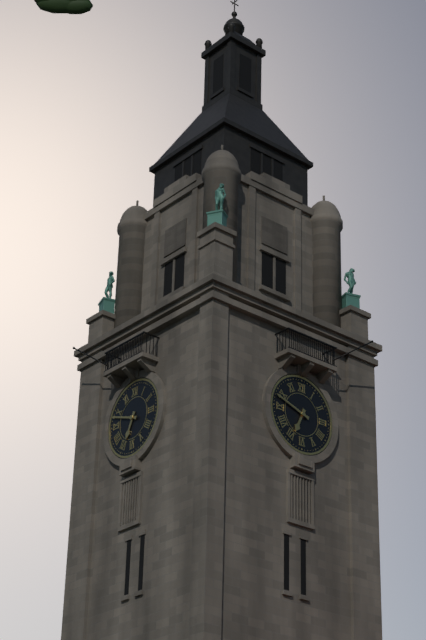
6:48
